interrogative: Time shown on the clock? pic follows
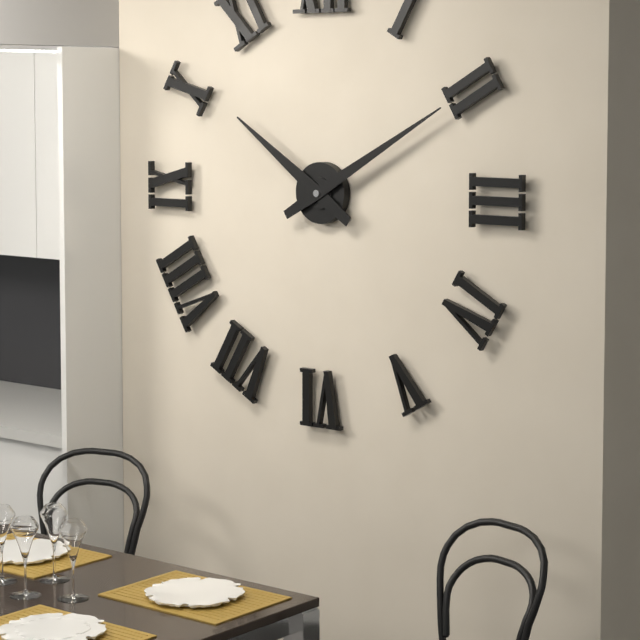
10:10
